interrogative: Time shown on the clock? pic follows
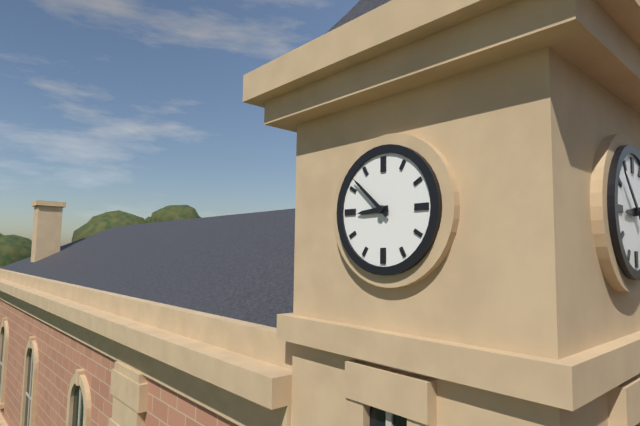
8:52
